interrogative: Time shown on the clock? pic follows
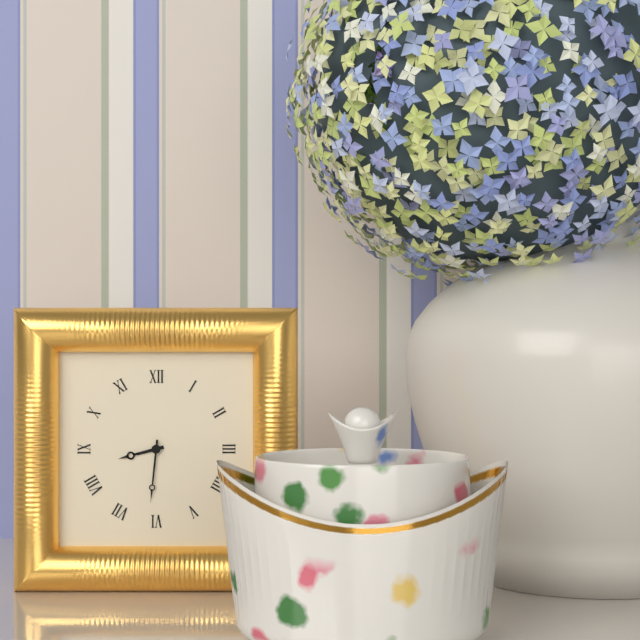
8:31
